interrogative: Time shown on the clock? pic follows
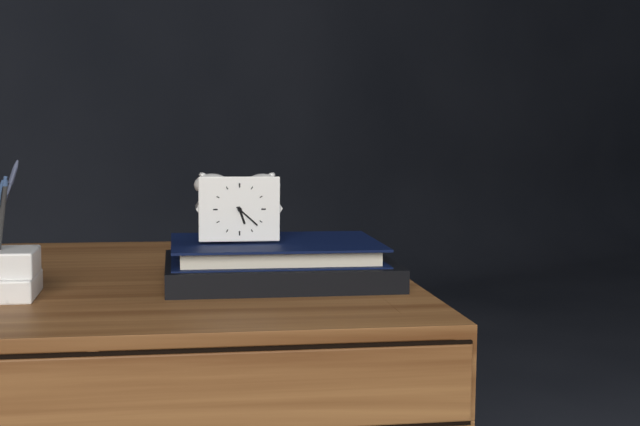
5:22
